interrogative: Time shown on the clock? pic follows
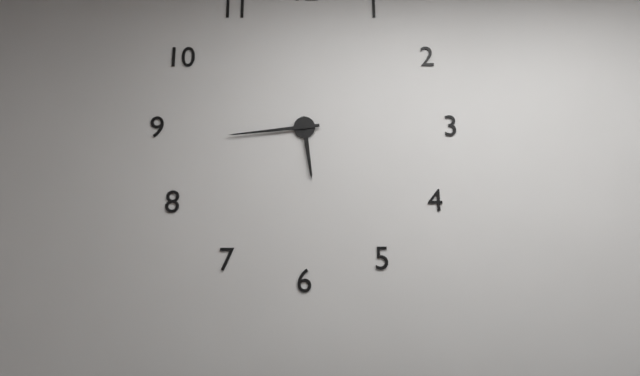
5:44
